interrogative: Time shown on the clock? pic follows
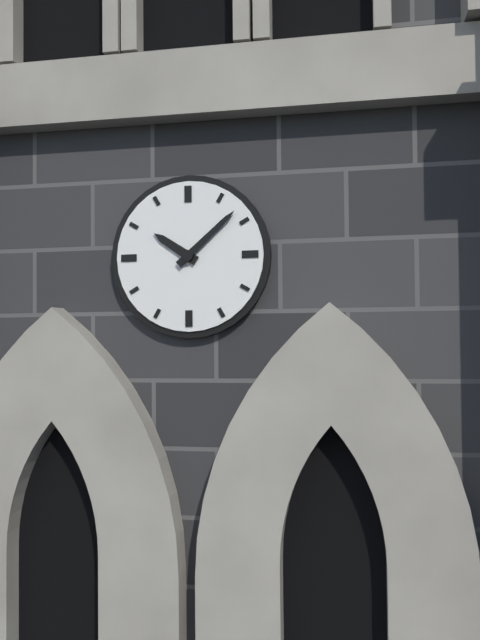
10:08
